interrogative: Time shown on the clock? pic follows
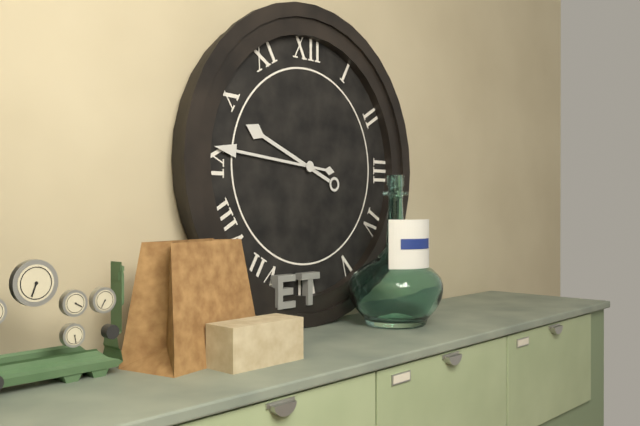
9:46
